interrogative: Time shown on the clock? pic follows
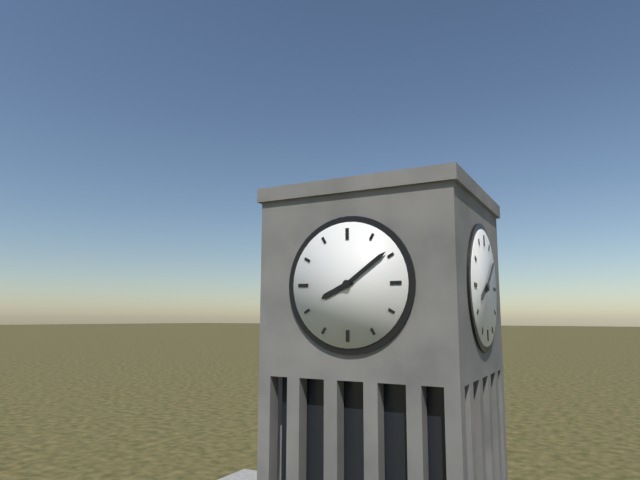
8:09
